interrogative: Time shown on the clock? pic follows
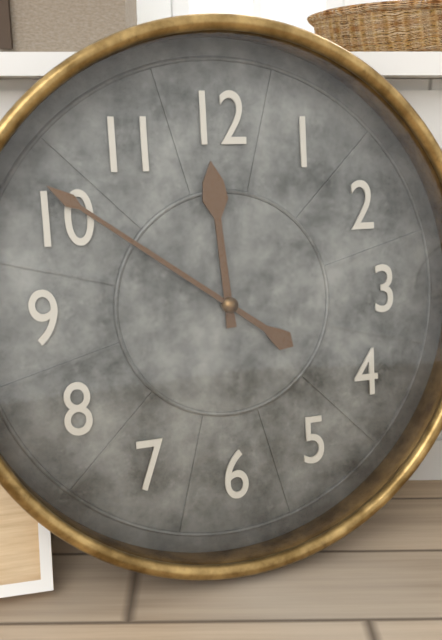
11:51
